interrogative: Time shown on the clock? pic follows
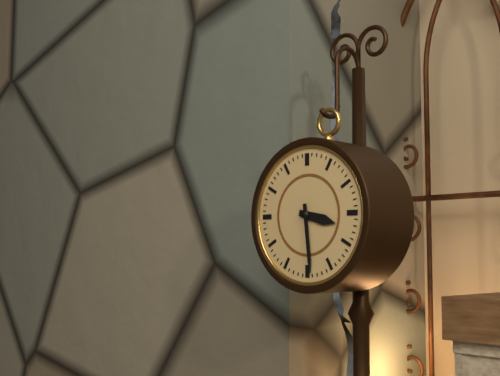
3:29
